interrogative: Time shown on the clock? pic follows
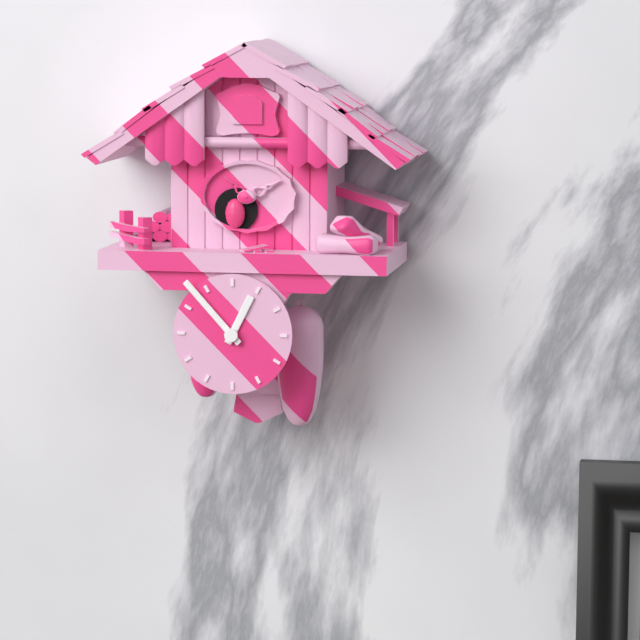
12:53
